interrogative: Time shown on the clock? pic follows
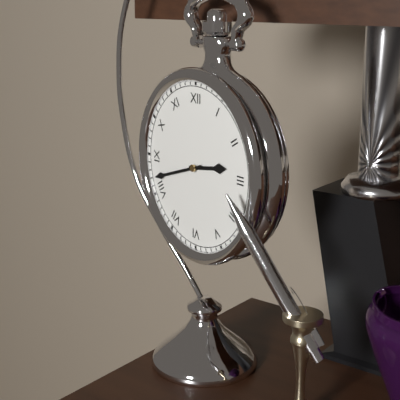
2:42
